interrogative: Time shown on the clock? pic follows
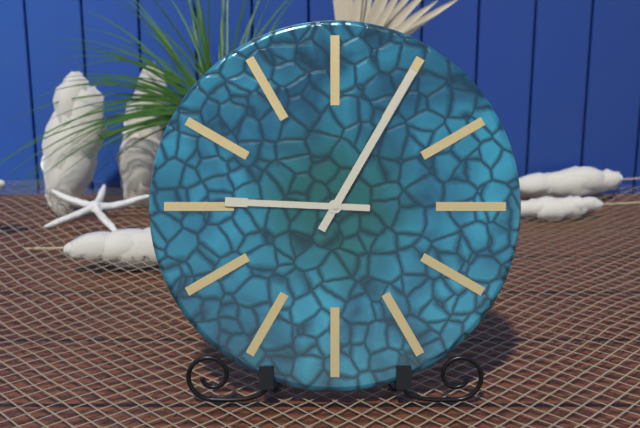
9:05
